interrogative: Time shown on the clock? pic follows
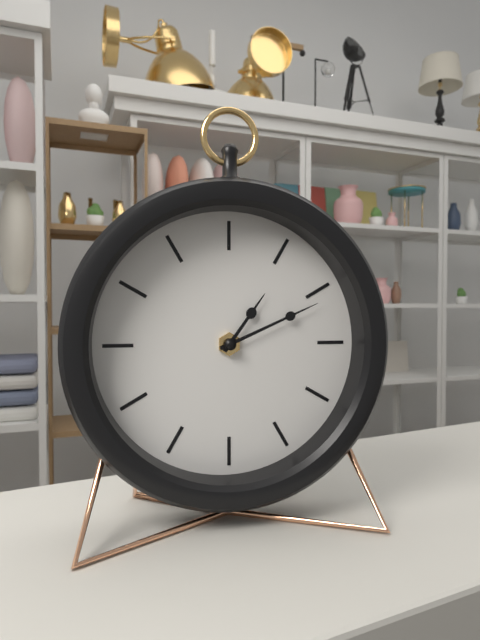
1:11
